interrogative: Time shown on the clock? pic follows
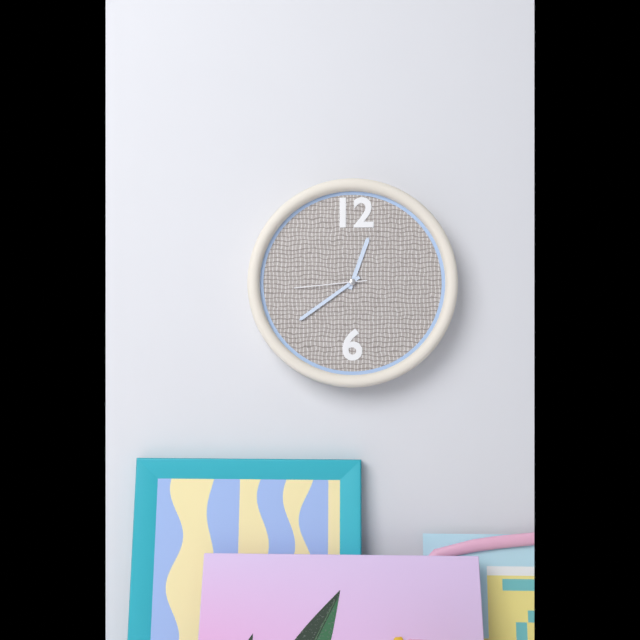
12:39:44
